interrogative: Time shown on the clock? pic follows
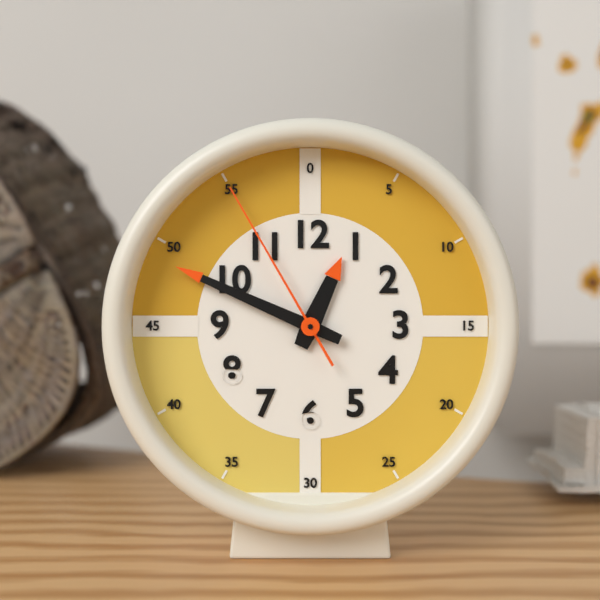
12:49:55
